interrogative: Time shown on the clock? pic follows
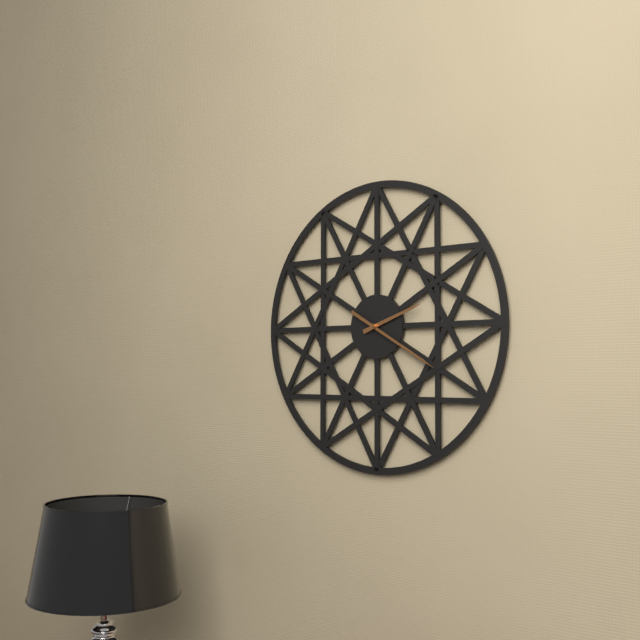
2:20
